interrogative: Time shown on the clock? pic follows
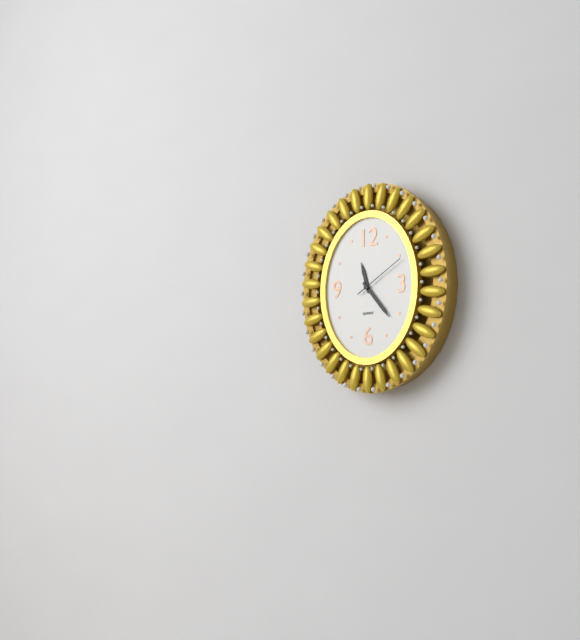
11:23:10
